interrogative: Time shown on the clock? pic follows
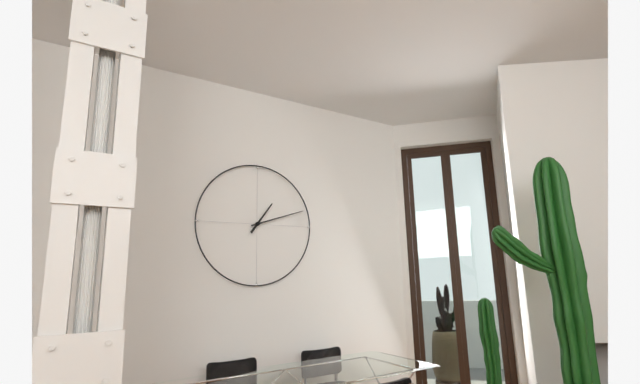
1:12
